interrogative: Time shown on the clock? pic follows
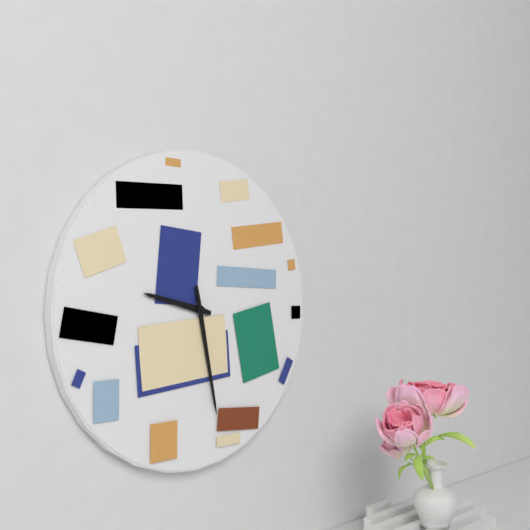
9:28
